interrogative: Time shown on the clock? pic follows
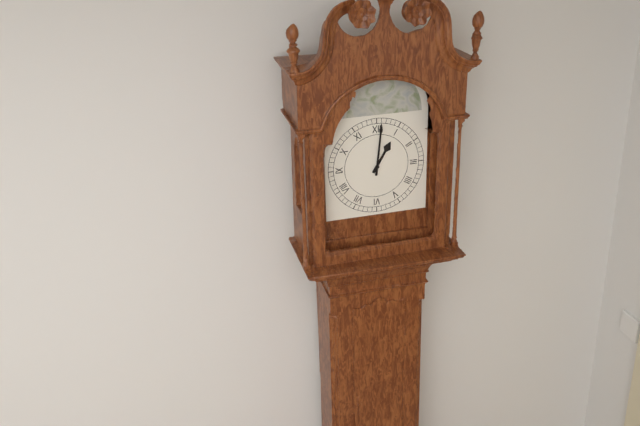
1:01
